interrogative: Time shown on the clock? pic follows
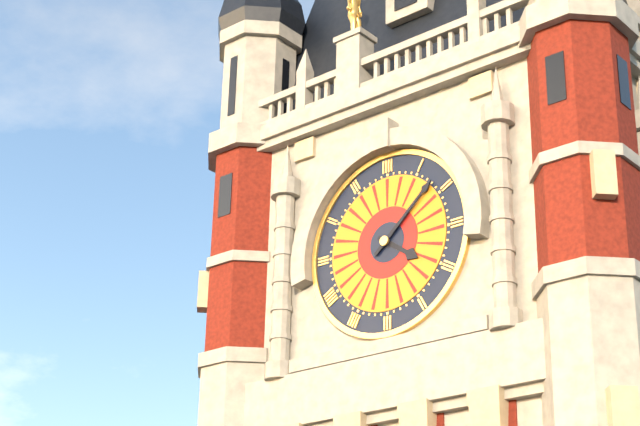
4:08
